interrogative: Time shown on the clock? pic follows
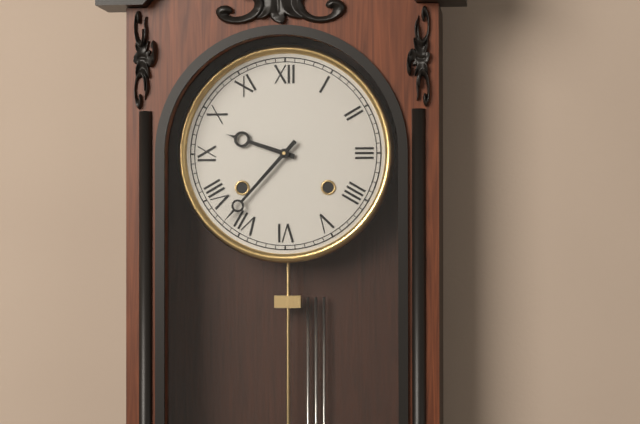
9:37
